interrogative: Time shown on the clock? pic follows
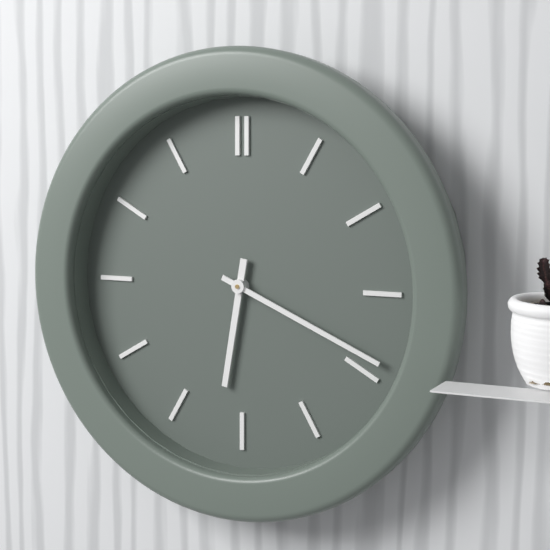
6:19
